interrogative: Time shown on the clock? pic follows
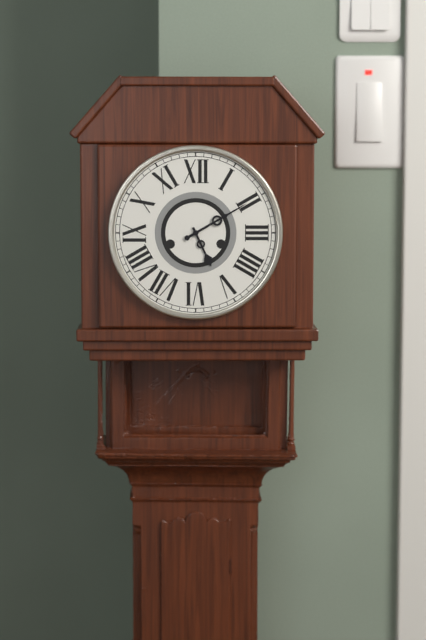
5:10
